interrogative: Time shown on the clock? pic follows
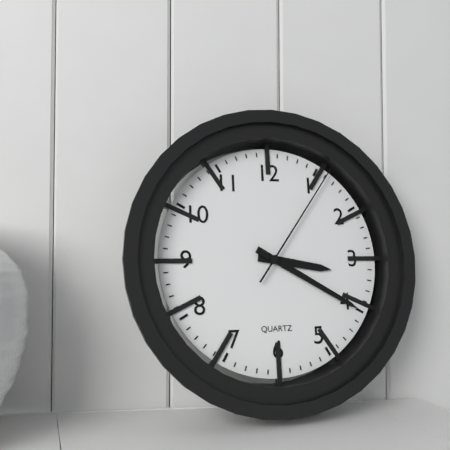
3:20:06
